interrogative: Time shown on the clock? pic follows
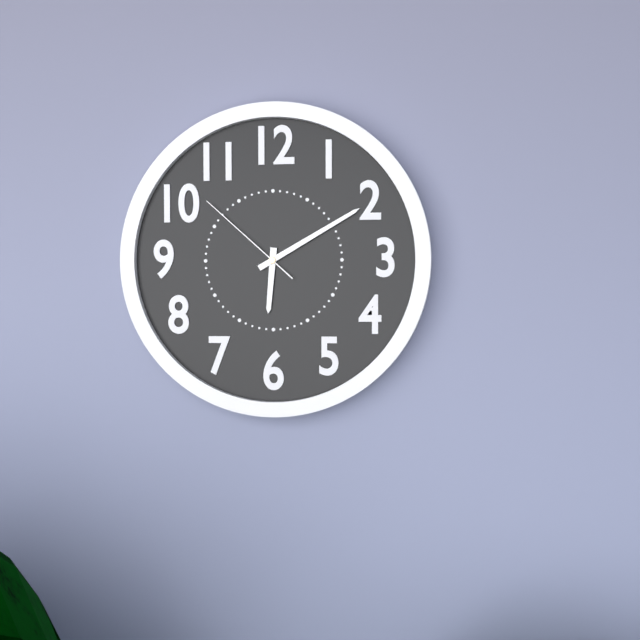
6:10:52
